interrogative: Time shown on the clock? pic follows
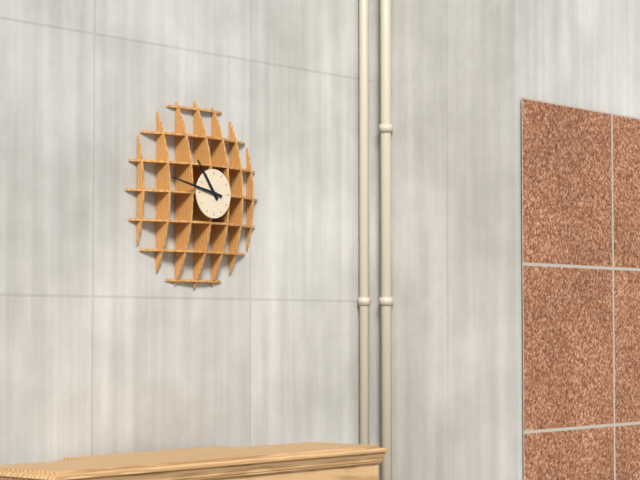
10:47
